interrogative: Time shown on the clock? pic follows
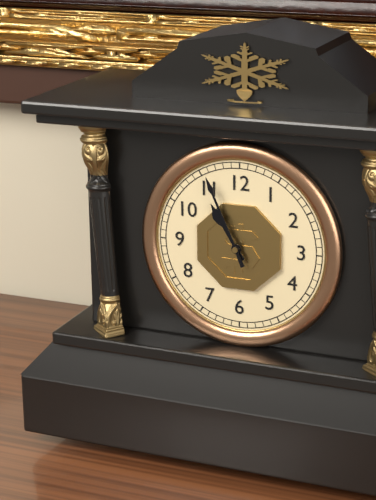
10:56
